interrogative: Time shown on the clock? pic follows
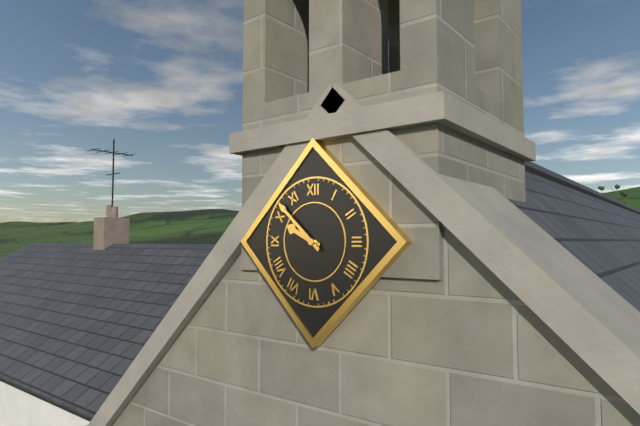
9:52
